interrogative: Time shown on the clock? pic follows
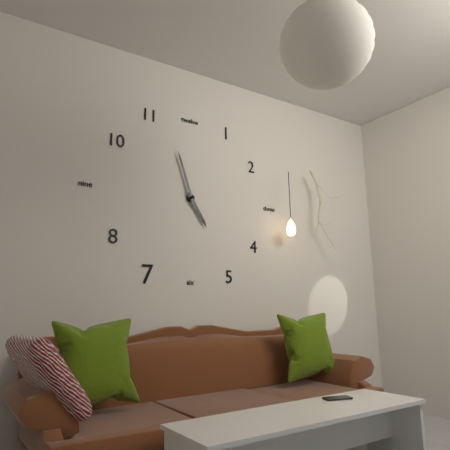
4:57
